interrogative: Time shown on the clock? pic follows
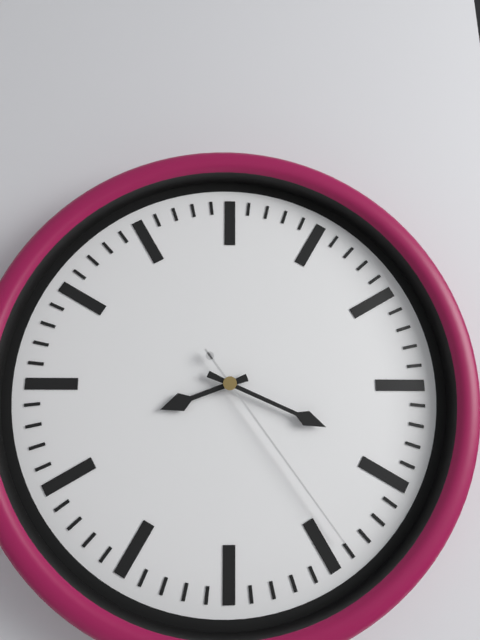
8:19:24
